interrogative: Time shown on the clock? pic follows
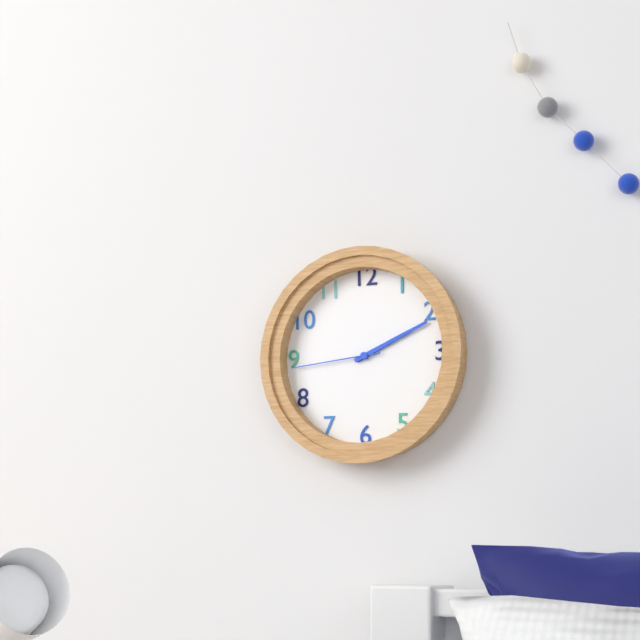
2:11:44
